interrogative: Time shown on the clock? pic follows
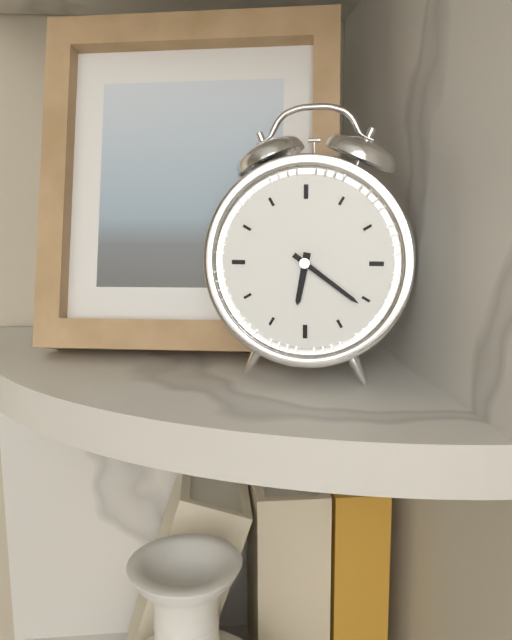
6:21
